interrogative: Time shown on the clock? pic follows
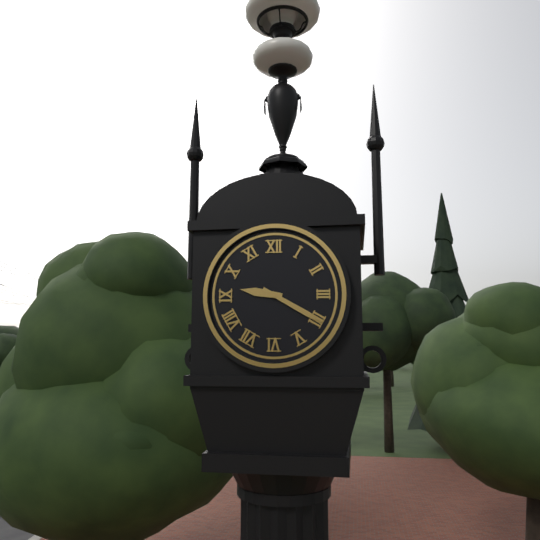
9:20
